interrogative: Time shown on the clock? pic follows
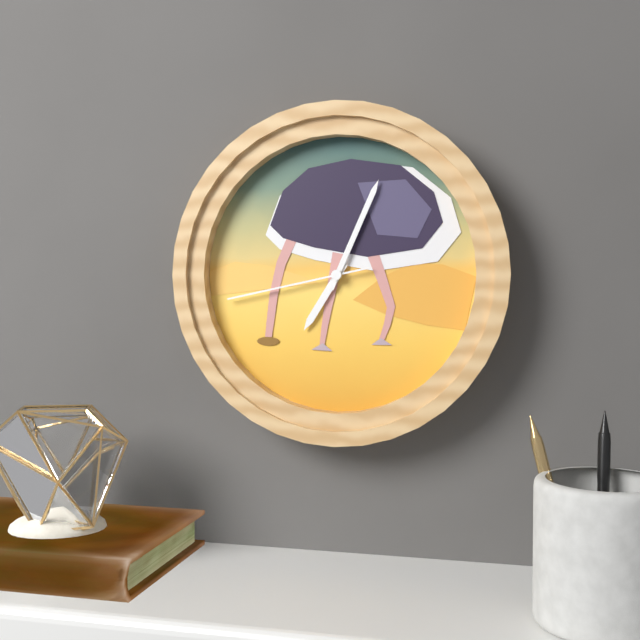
7:04:43
